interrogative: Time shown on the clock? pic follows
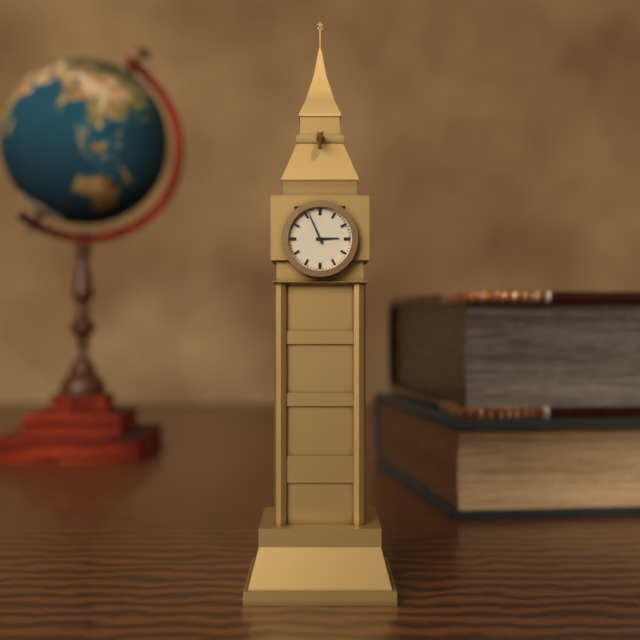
2:56
